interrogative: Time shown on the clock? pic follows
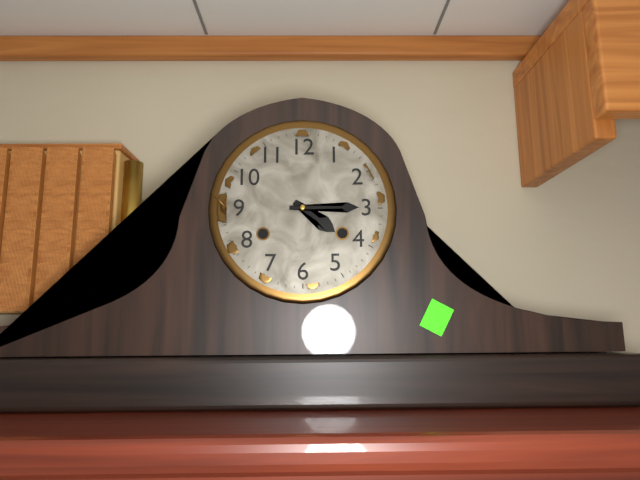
4:15
